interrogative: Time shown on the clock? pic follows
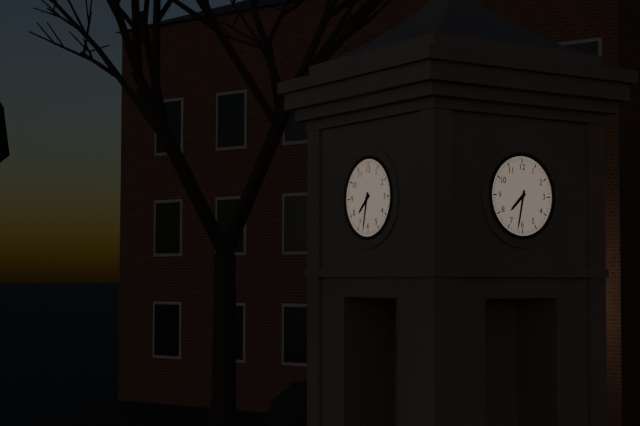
7:32
